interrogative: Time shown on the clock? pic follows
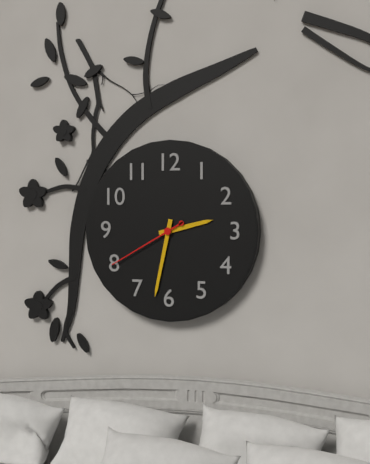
2:32:40
